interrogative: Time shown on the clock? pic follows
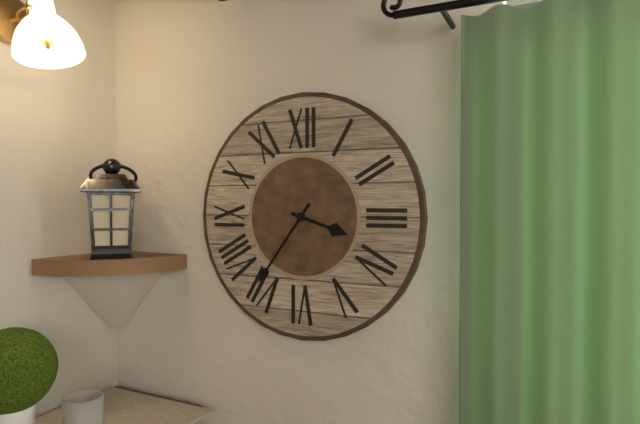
3:36
